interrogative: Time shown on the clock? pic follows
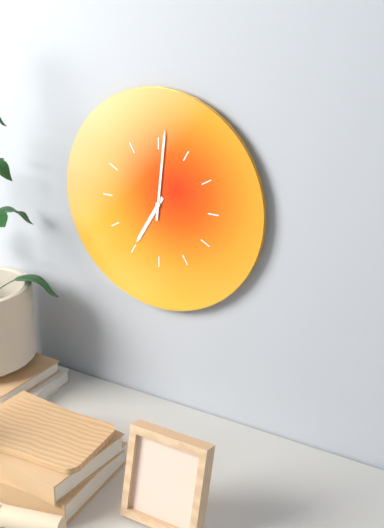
7:01
